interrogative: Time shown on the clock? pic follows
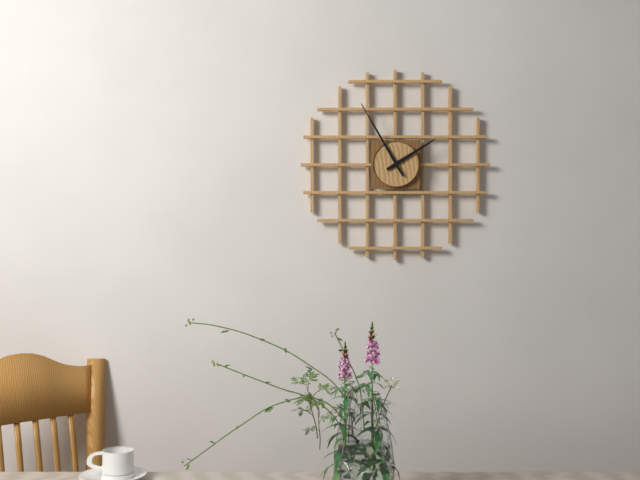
1:55
